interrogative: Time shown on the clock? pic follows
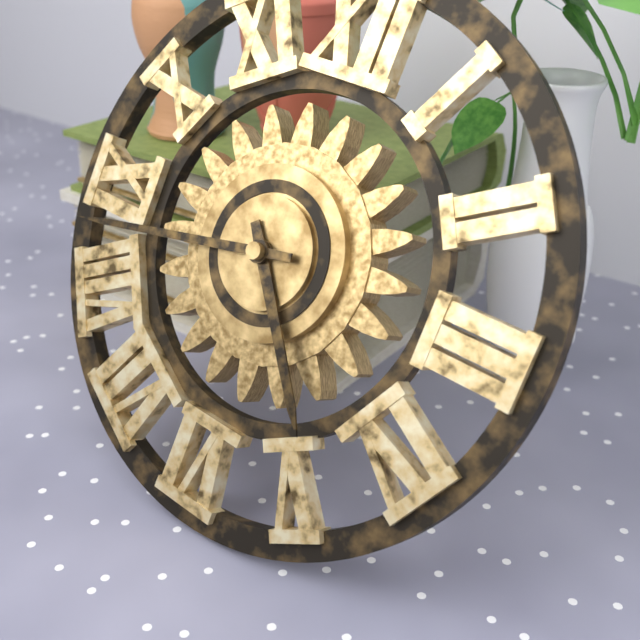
4:43
